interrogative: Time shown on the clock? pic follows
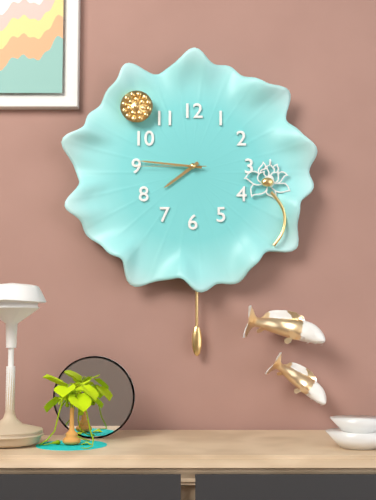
7:46:45
